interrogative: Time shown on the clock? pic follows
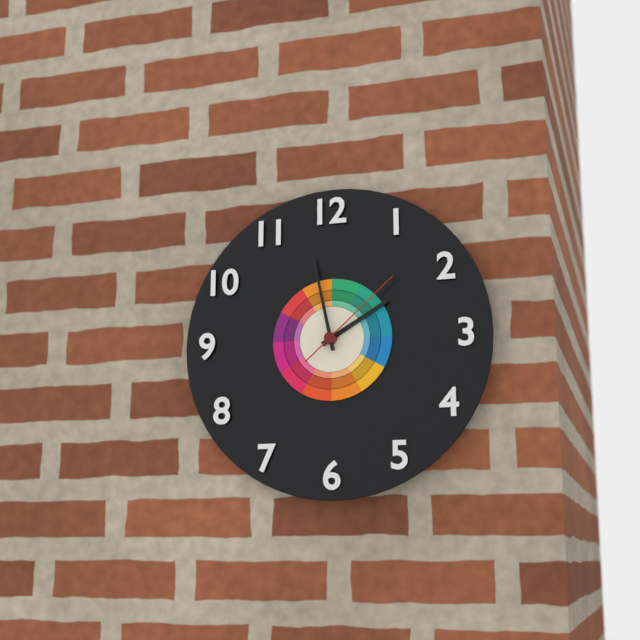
1:58:08
